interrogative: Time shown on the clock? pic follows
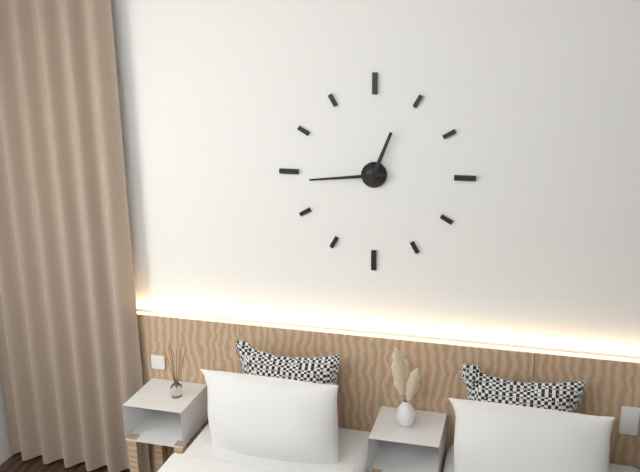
12:44
